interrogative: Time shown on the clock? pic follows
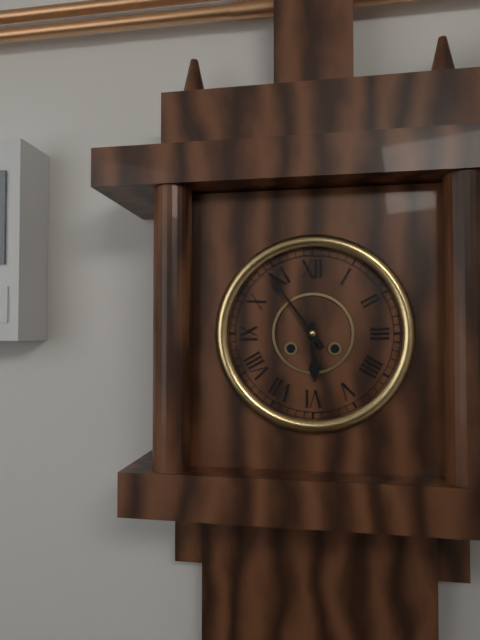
5:54
